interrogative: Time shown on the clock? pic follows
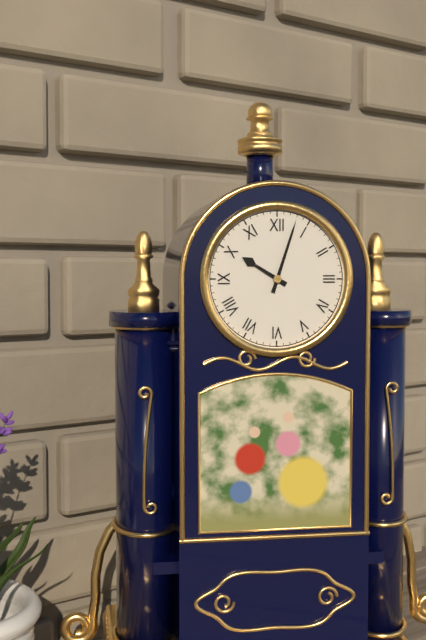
10:03
